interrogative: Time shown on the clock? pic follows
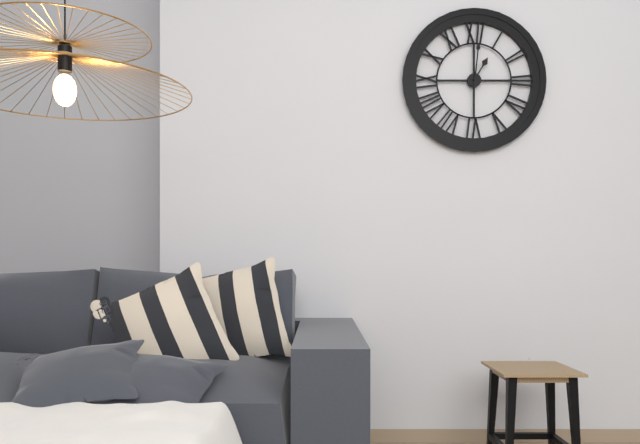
1:01
